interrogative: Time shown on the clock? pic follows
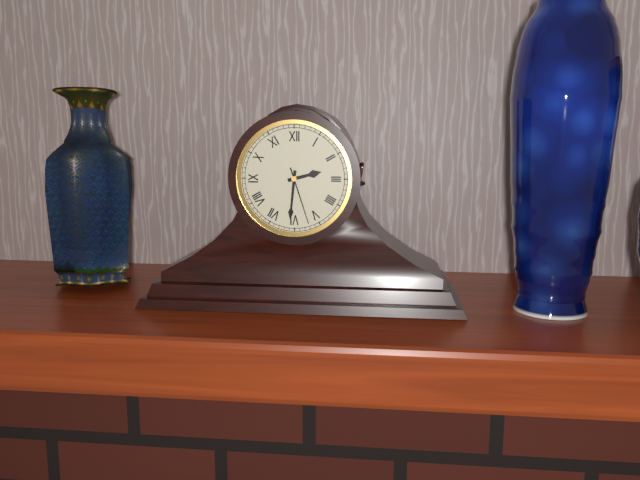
2:31:27
